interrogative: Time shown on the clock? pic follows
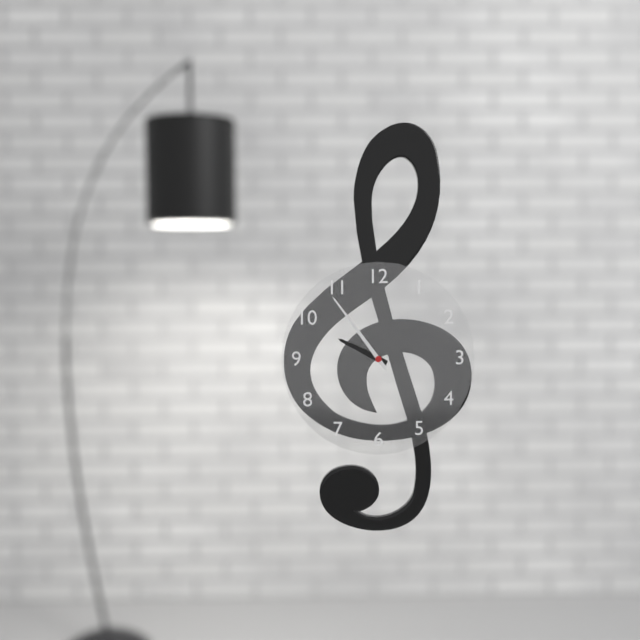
9:54
